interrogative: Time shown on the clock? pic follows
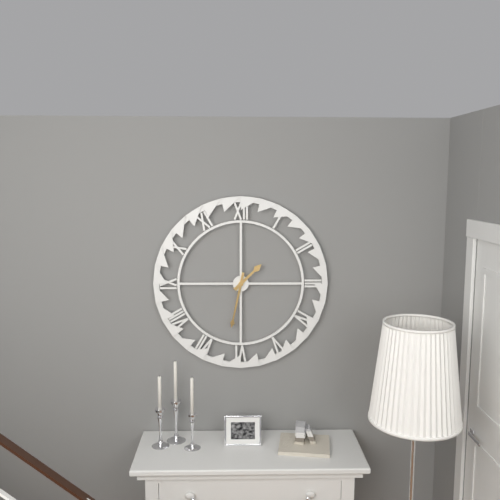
1:32
